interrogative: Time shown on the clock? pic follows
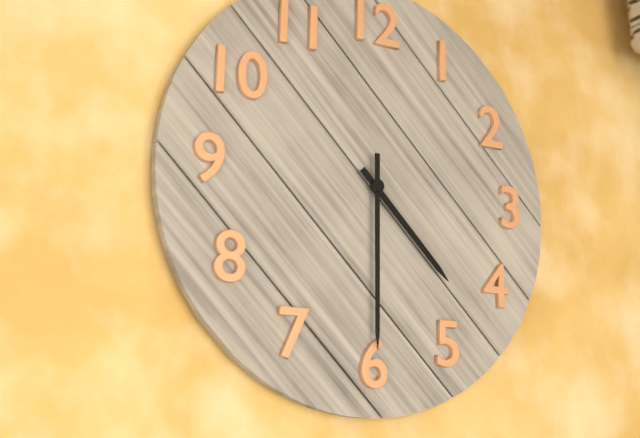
4:30
